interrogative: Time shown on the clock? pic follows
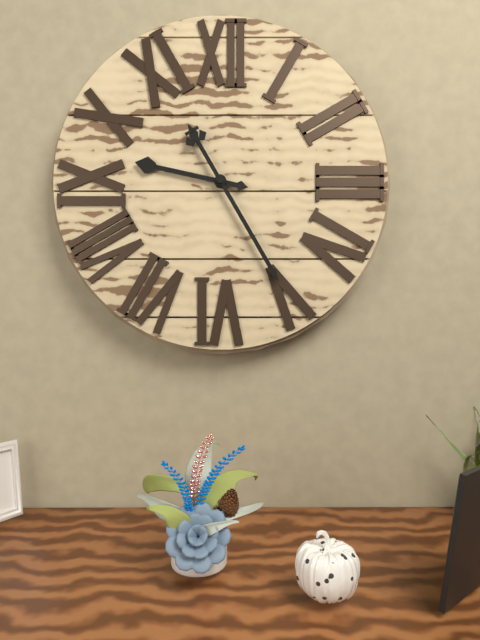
9:25
